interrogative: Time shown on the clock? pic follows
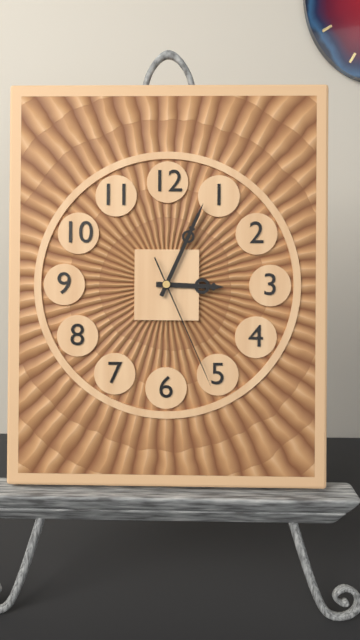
3:04:26
